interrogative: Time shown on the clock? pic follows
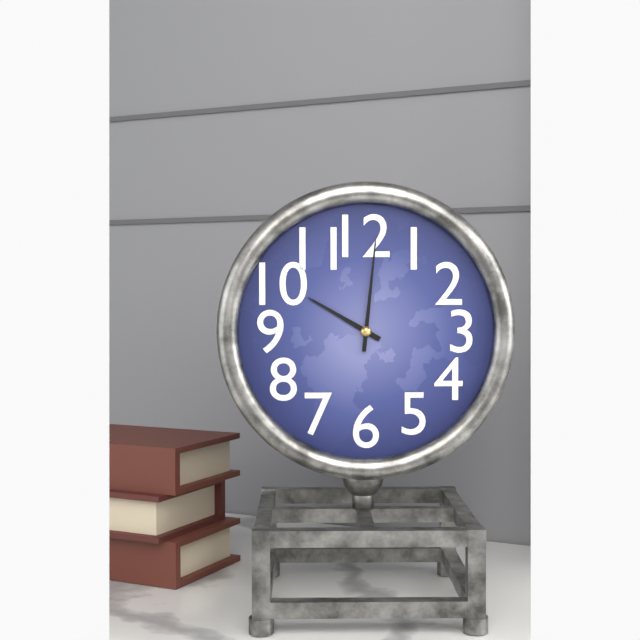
10:01
